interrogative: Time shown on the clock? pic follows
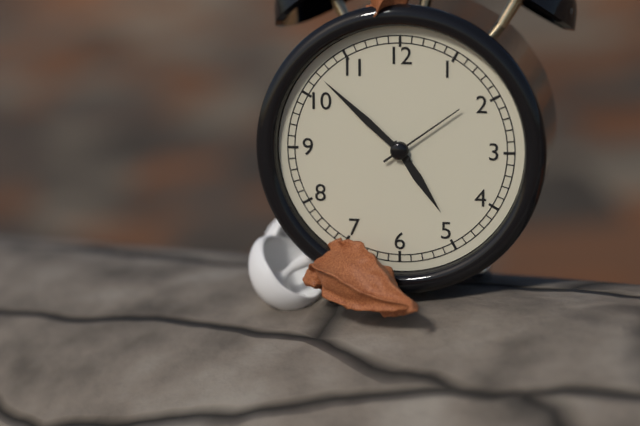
4:52:09
